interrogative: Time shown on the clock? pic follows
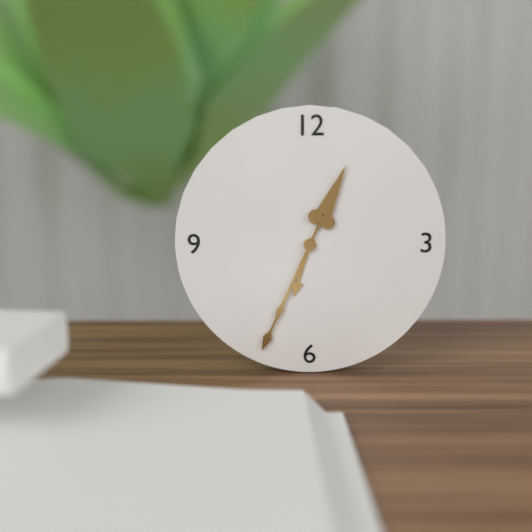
6:34
